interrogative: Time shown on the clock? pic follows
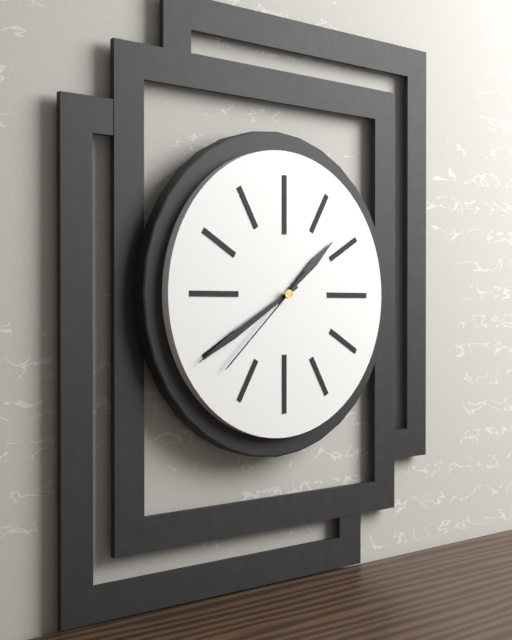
1:40:38
